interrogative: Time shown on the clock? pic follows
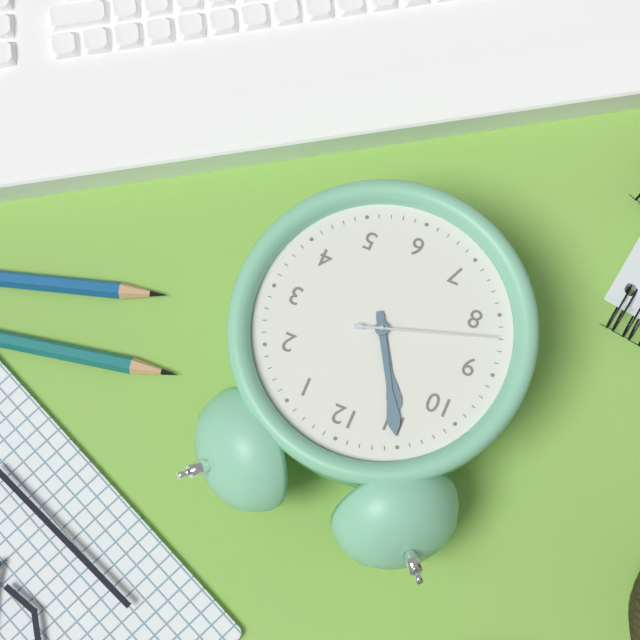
10:55:42
